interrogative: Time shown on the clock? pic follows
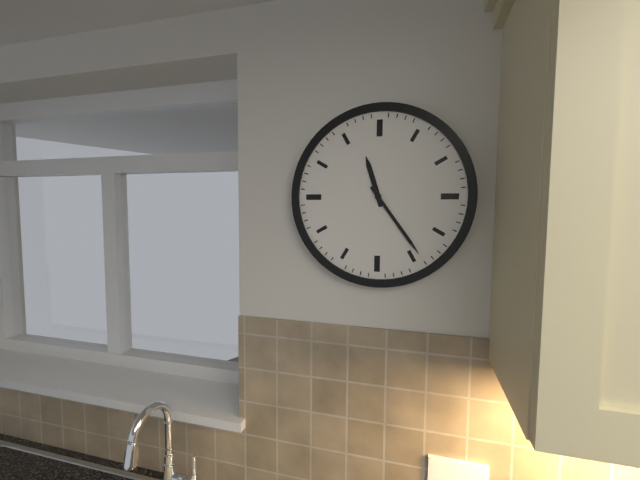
11:24
